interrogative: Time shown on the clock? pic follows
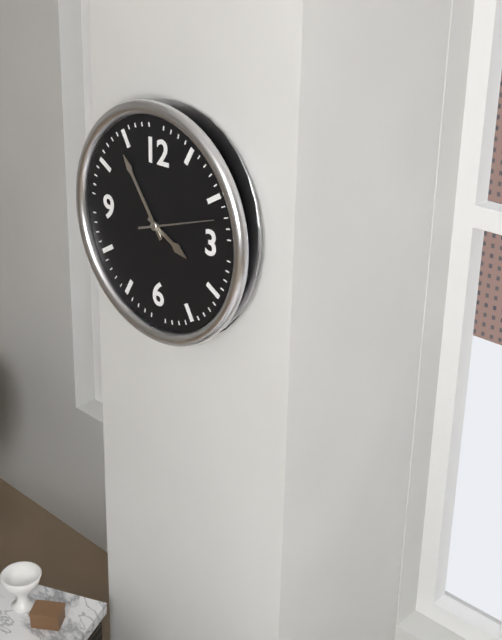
3:54
